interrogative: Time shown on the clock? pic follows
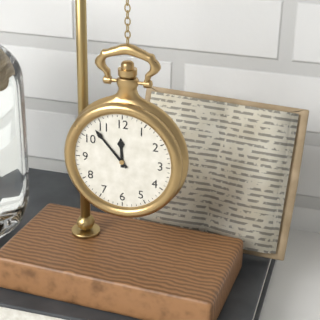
11:53
